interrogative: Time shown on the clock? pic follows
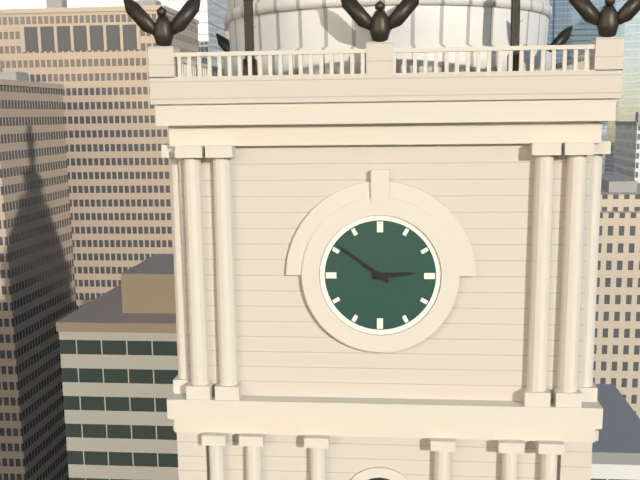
2:51
